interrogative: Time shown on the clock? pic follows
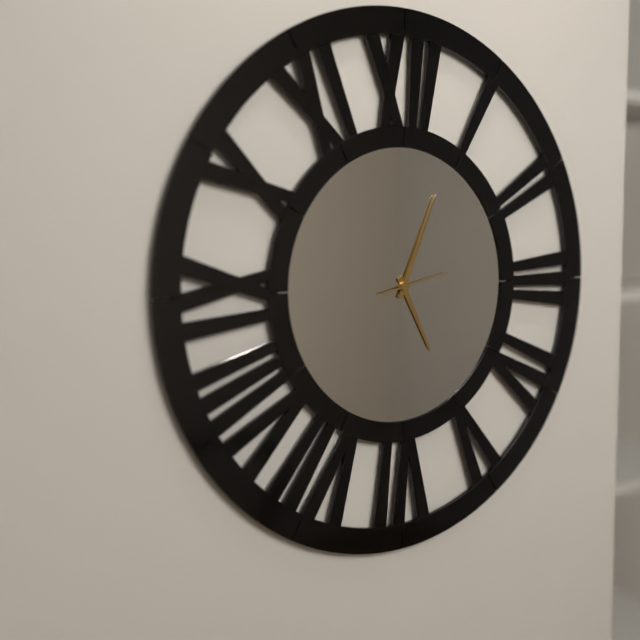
5:04:13
